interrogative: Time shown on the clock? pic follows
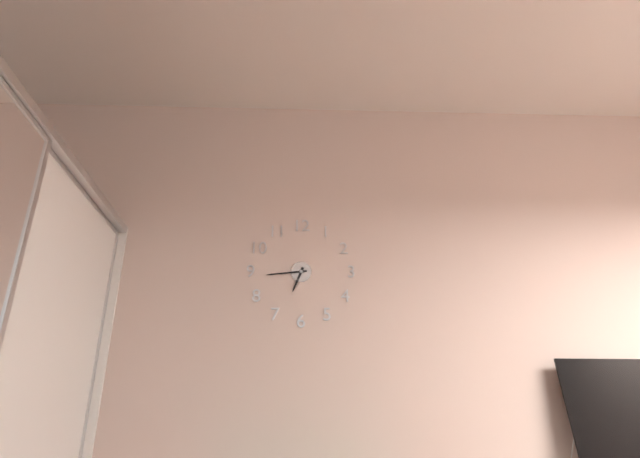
6:44
